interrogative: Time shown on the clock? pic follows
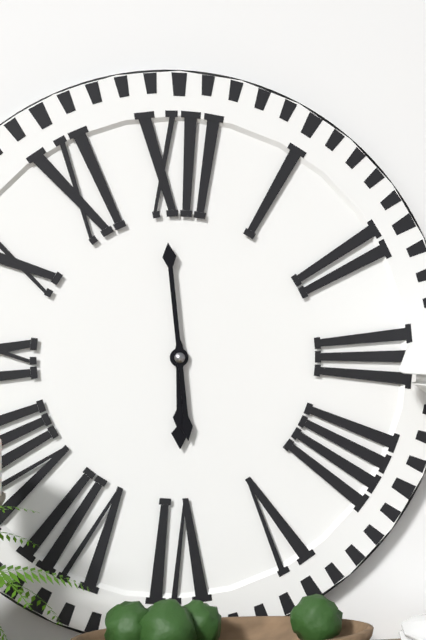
5:59
